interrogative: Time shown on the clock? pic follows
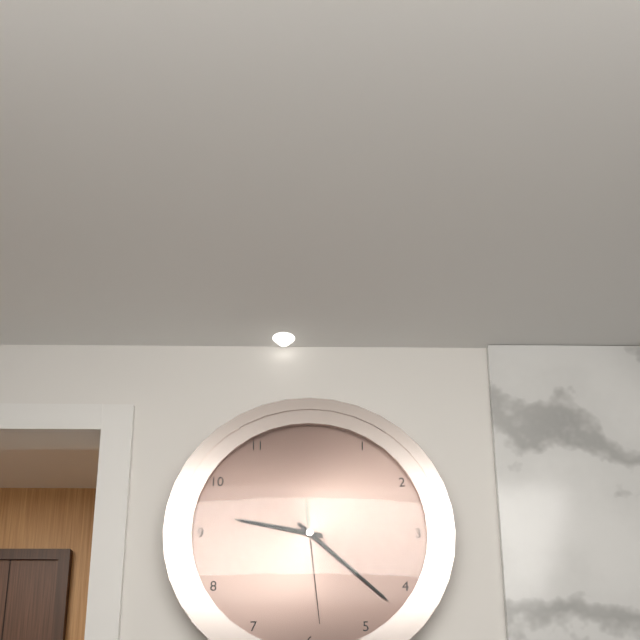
9:22:29
